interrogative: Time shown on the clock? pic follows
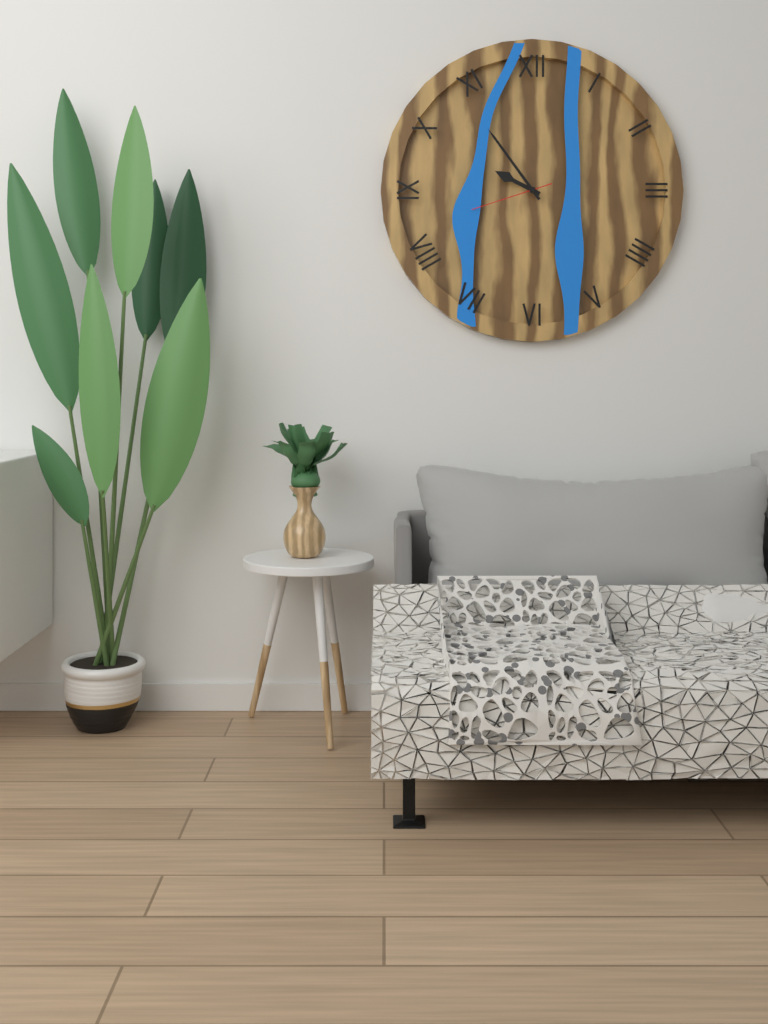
9:54:42
